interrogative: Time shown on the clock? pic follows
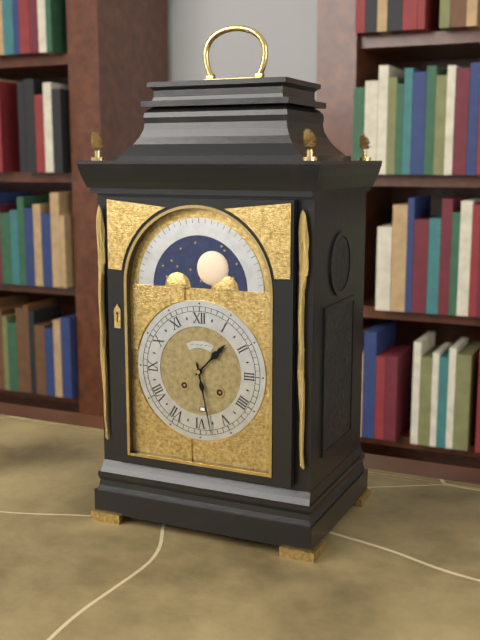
1:28
